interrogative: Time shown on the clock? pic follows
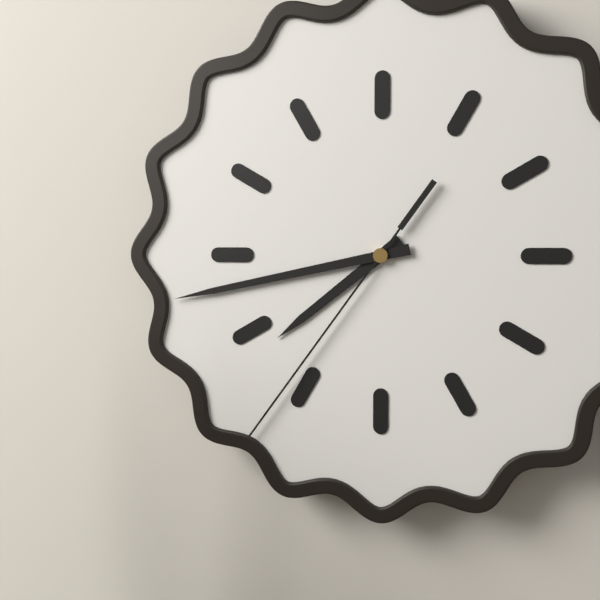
7:43:36
